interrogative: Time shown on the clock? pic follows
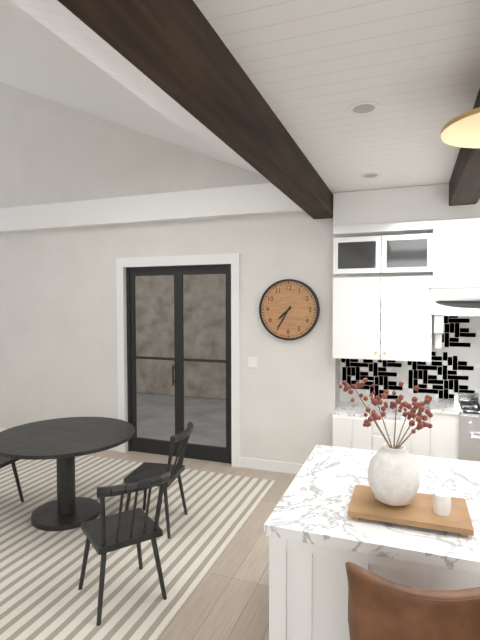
7:35
